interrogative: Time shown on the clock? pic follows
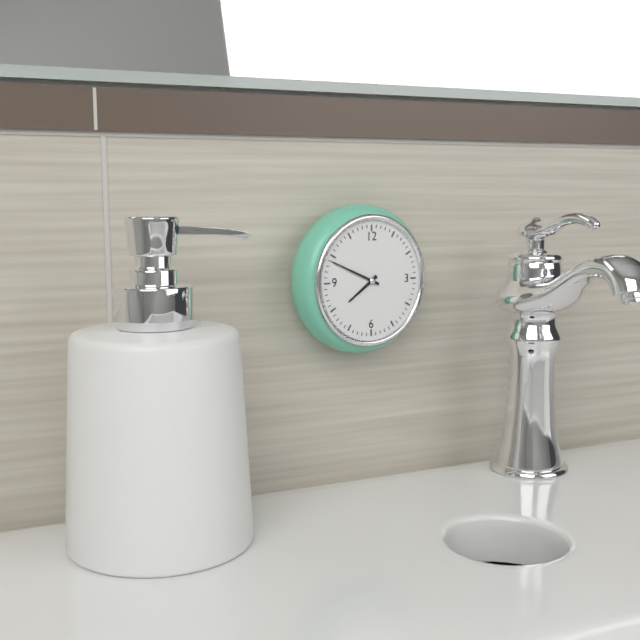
7:49
